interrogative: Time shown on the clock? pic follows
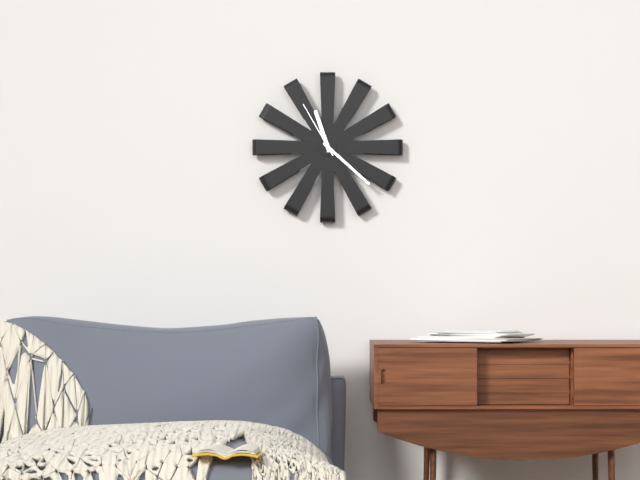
11:22:55
